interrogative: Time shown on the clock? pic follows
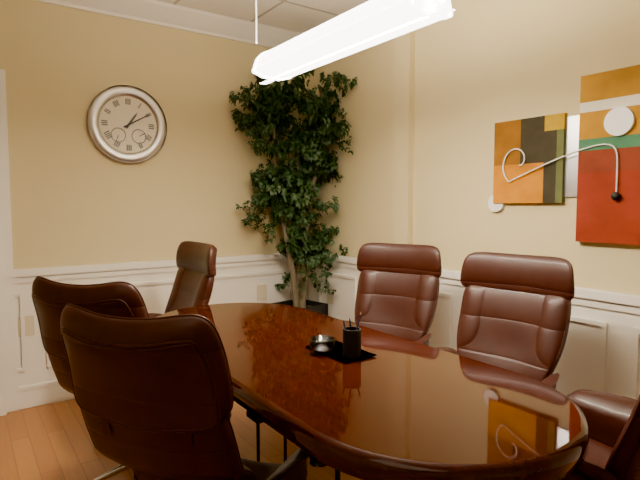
1:10
